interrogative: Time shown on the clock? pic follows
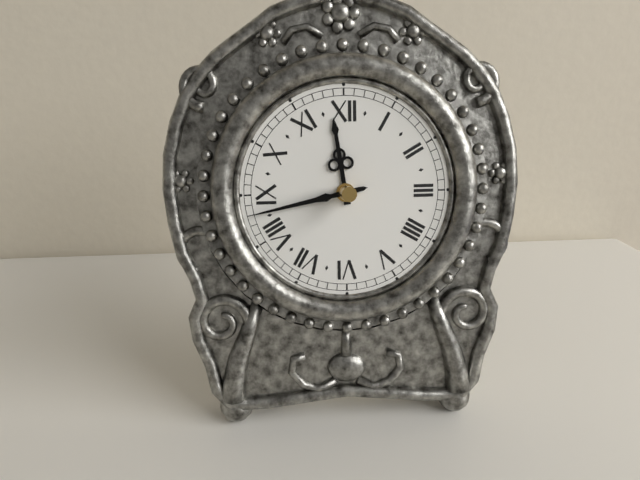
11:43
